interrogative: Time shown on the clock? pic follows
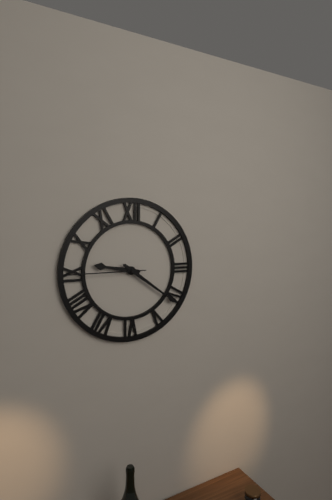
9:21:45
